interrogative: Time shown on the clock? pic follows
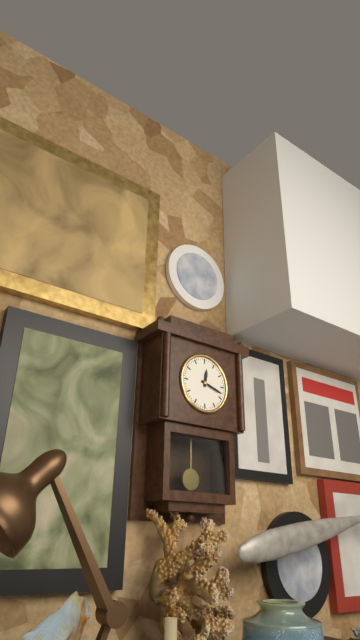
12:18
